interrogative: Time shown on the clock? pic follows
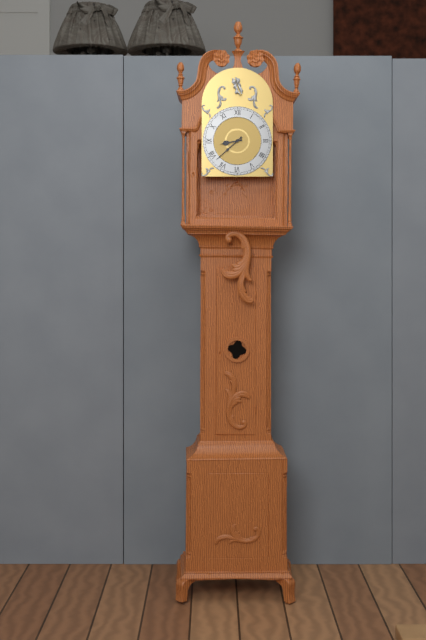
8:38
